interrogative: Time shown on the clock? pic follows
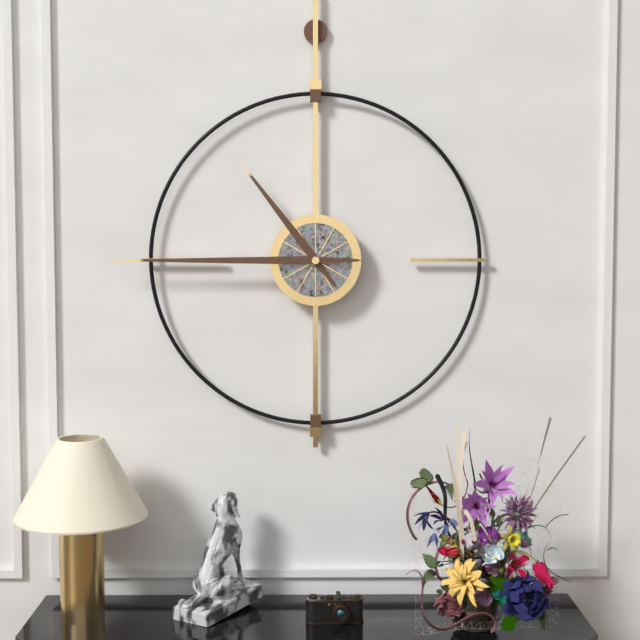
10:45
